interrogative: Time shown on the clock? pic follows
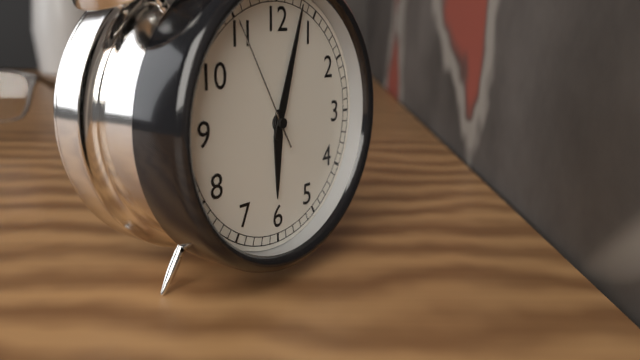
6:03:55
